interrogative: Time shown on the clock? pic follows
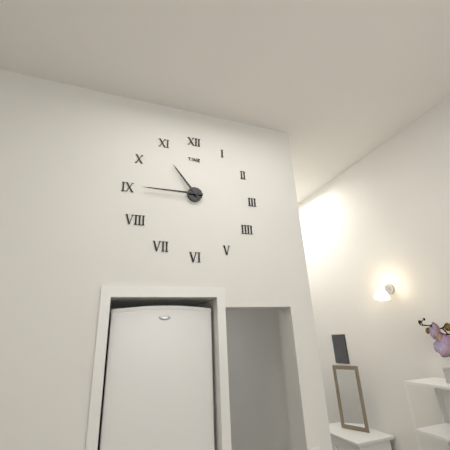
10:45
